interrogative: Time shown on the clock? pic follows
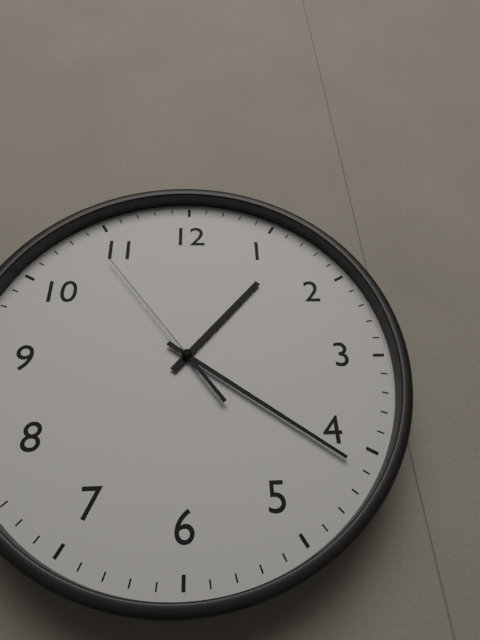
1:21:54
